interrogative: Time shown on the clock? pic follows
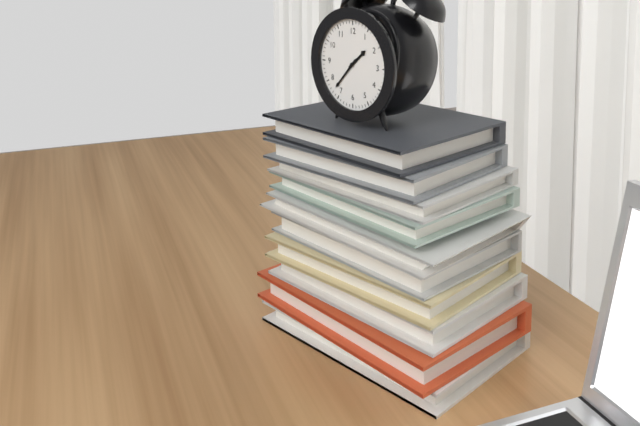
1:37
